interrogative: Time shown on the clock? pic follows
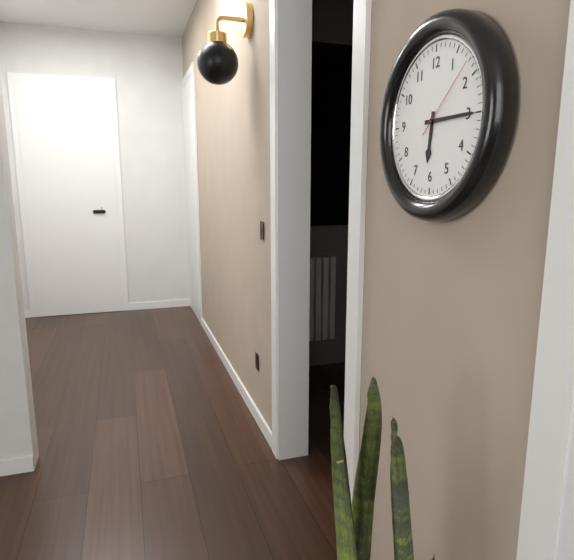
6:15:08
